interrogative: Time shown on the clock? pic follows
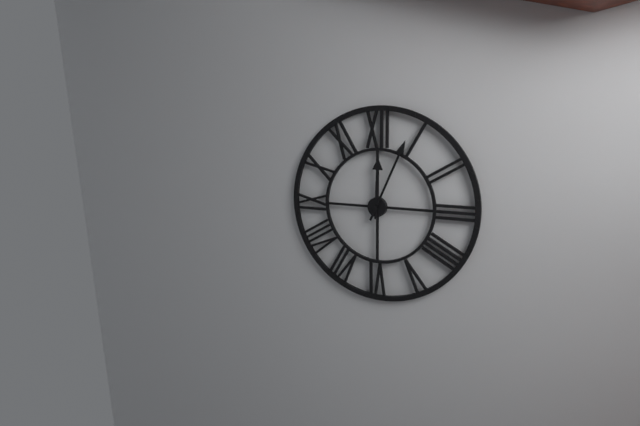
12:04
